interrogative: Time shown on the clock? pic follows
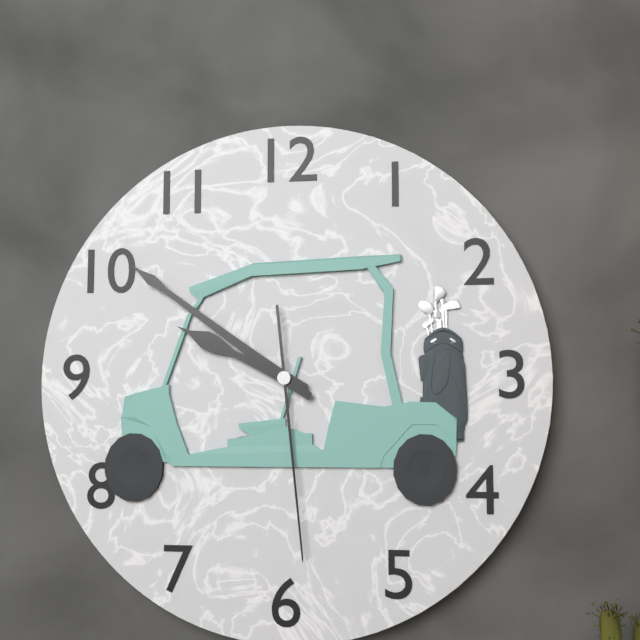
9:51:29
